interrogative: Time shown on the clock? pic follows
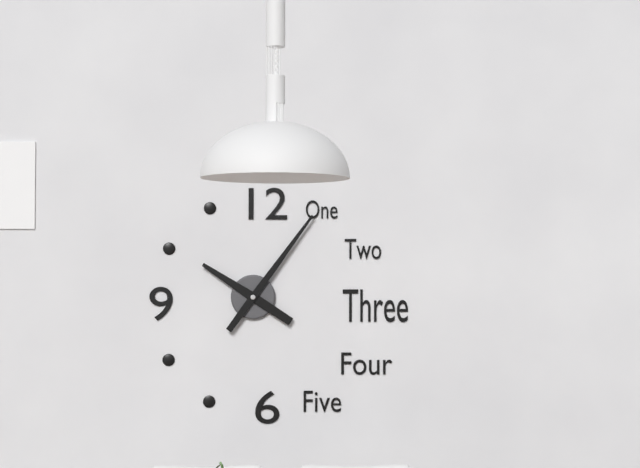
10:06
